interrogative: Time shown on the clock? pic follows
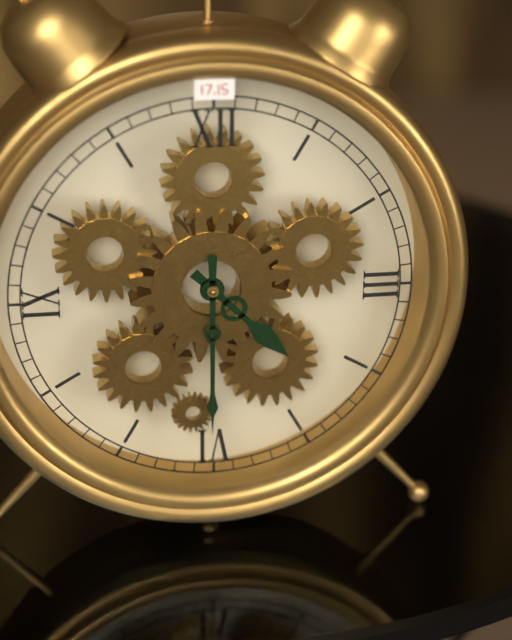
4:30
